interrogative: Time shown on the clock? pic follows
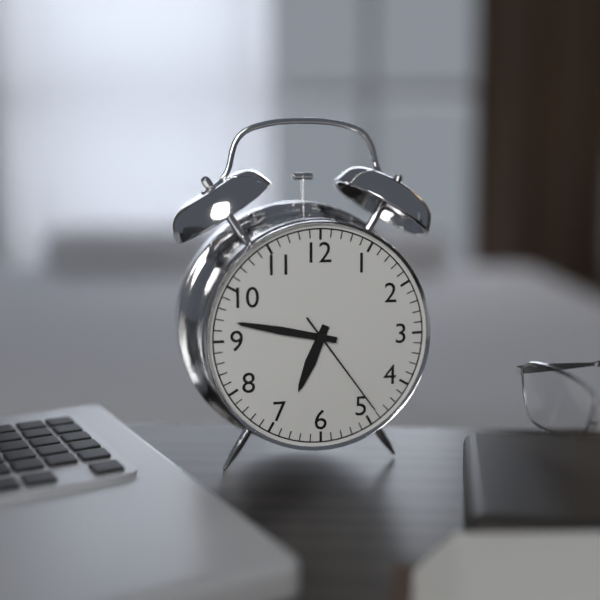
6:47:24
